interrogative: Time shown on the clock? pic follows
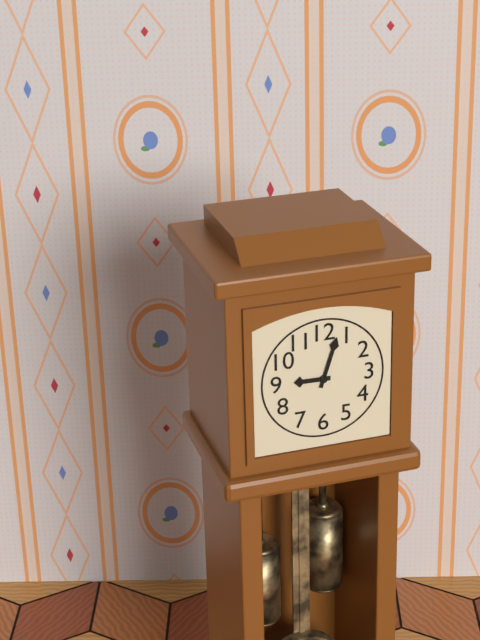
9:03
